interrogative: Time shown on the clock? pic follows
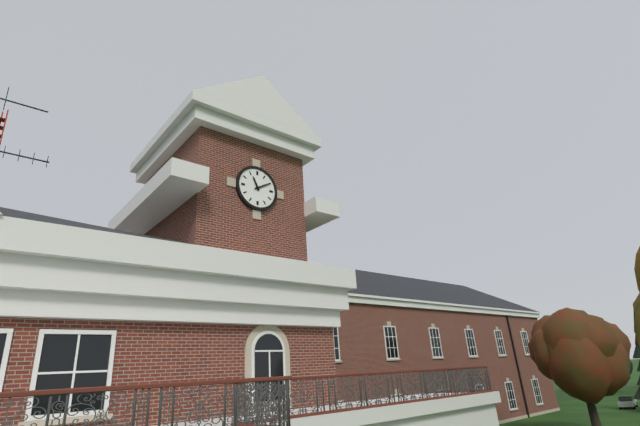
11:10
